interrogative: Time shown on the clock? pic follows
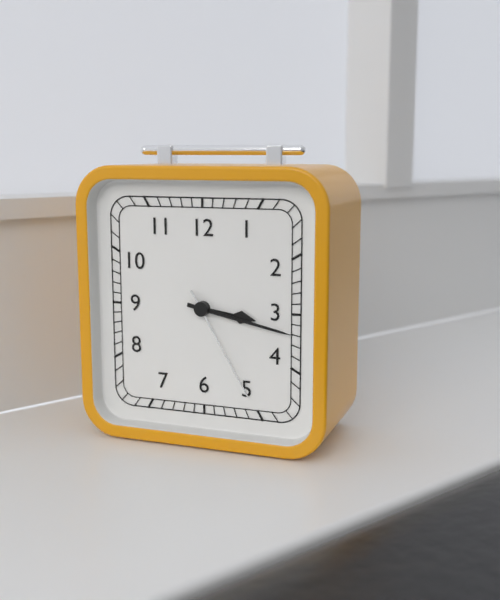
3:17:25
